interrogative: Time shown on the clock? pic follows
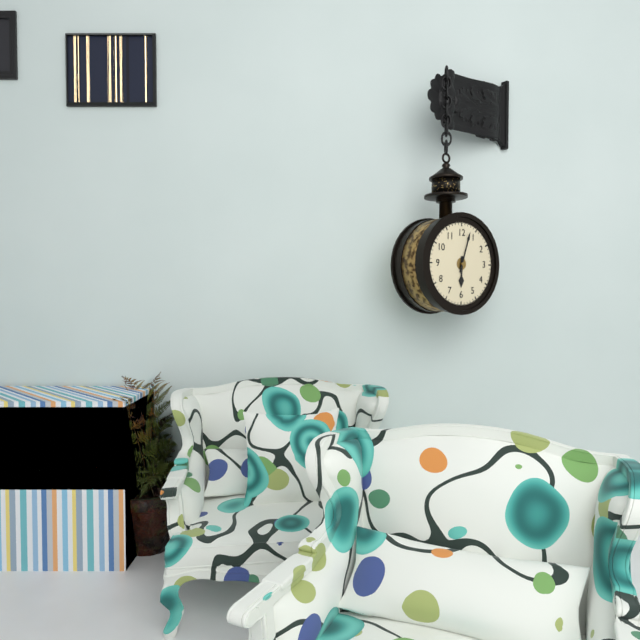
6:03
